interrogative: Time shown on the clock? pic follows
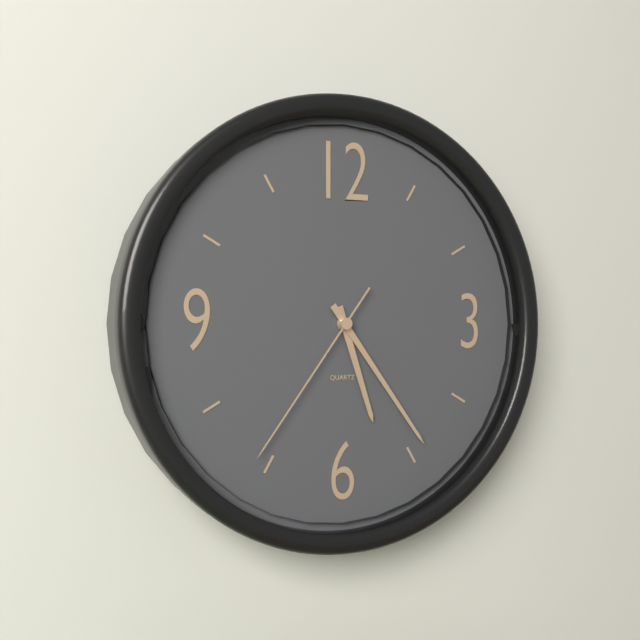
5:24:36
